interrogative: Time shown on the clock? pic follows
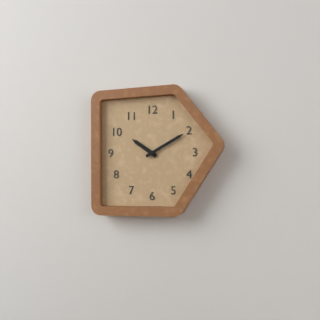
10:10
